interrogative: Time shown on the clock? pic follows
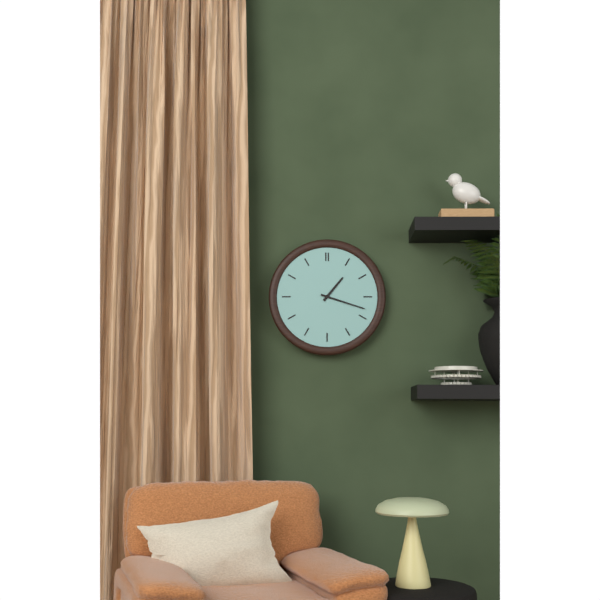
1:18
